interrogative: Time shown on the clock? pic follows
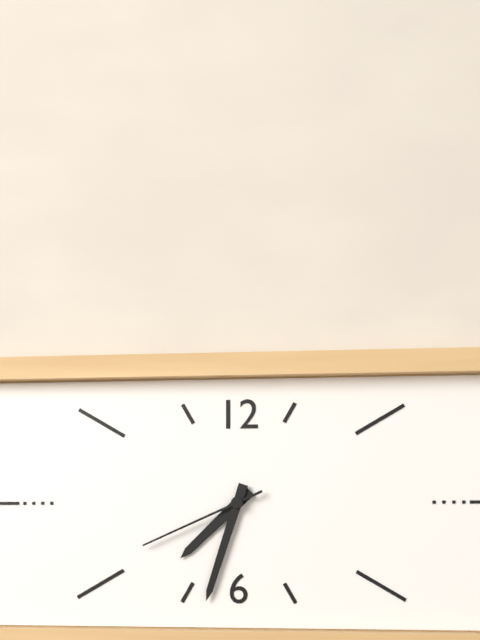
7:33:41
